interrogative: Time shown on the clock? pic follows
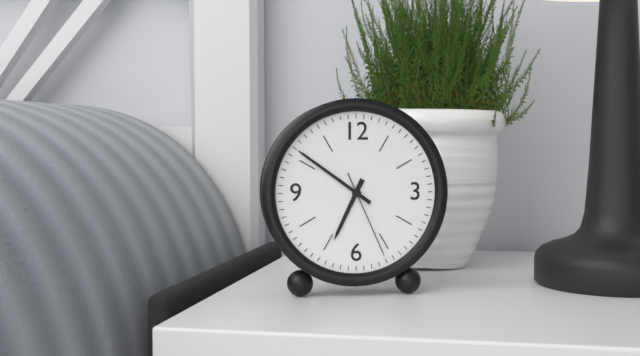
6:51:26
